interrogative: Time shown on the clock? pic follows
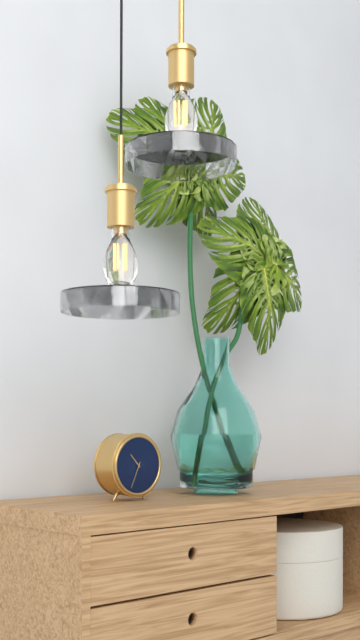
10:34
